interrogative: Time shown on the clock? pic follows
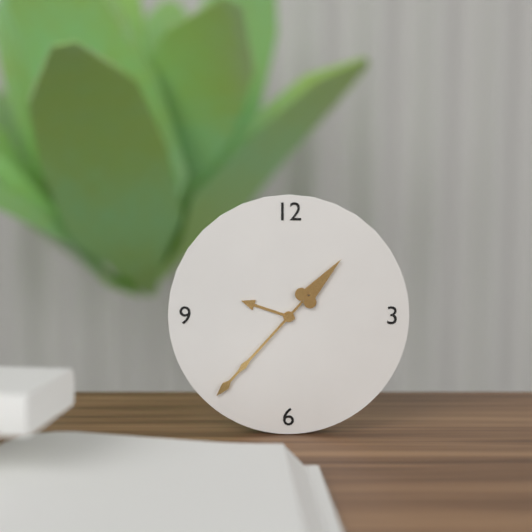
9:37
